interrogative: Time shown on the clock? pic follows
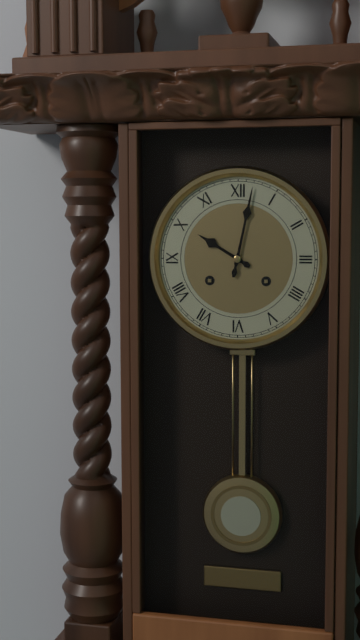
10:02
